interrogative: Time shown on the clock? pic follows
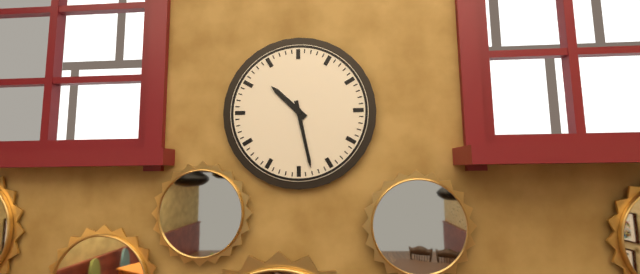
10:28
